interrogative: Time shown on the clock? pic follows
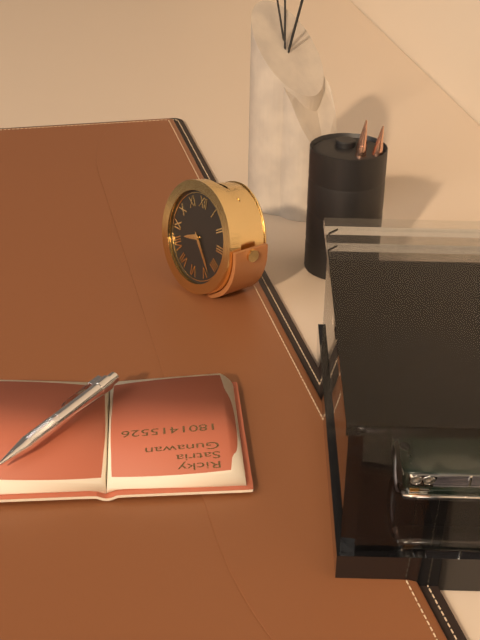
8:23
